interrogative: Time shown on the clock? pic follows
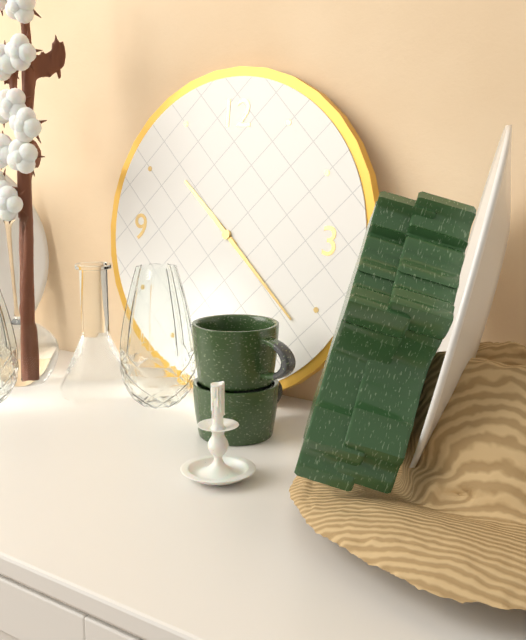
10:22
